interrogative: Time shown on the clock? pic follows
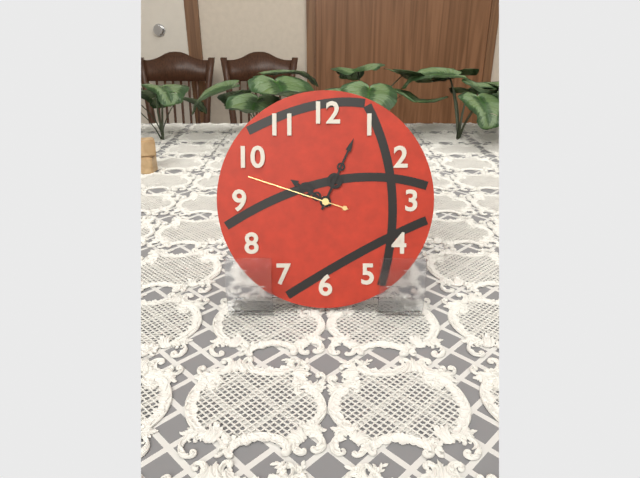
10:04:48
